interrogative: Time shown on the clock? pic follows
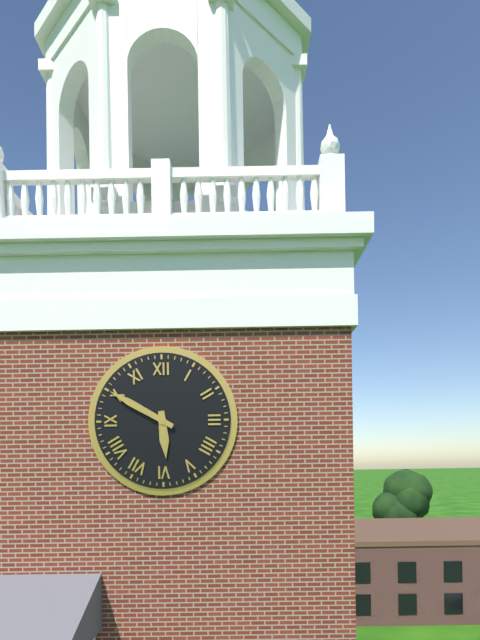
5:50
